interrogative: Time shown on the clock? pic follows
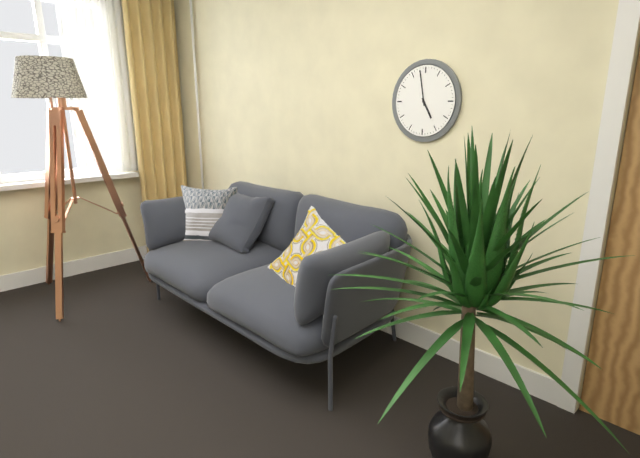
4:58
